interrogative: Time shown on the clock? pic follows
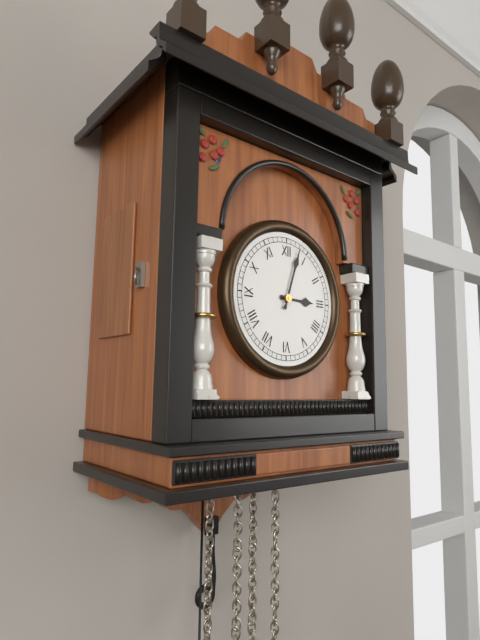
3:03
